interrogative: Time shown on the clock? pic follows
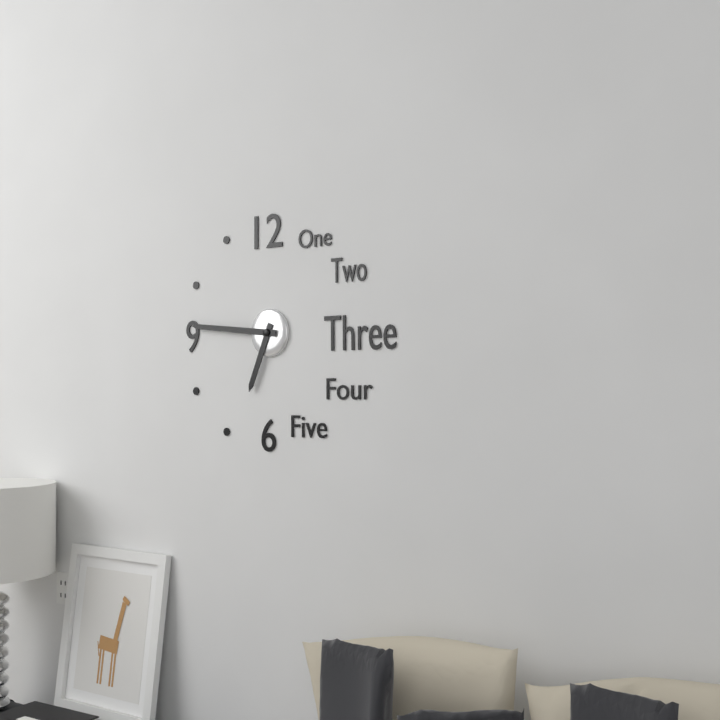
6:46
